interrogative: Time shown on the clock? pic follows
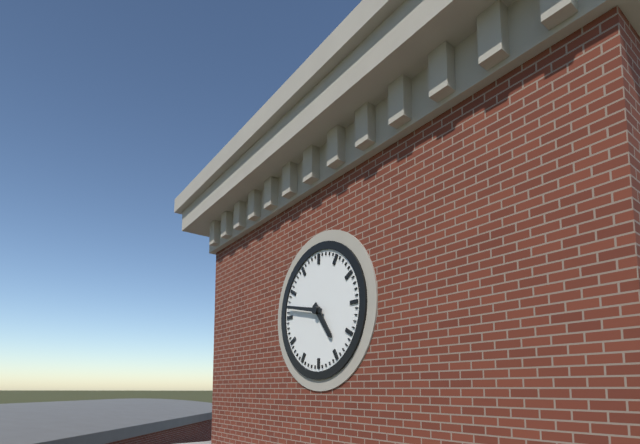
4:47
